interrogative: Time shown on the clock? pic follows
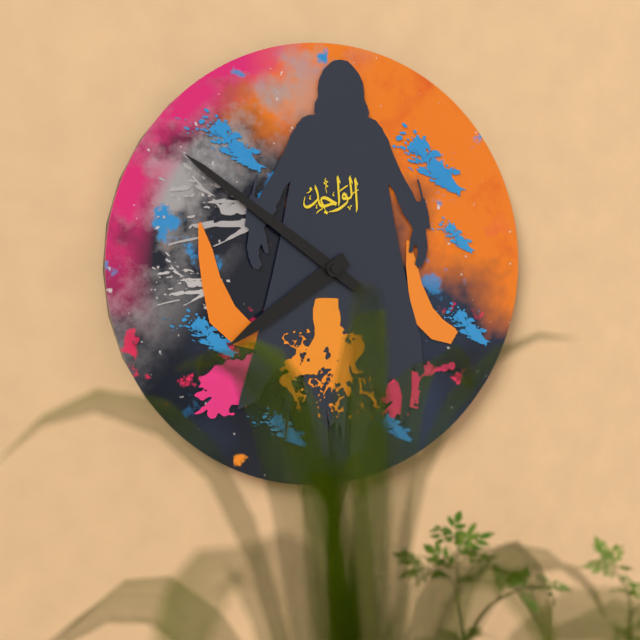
7:51
